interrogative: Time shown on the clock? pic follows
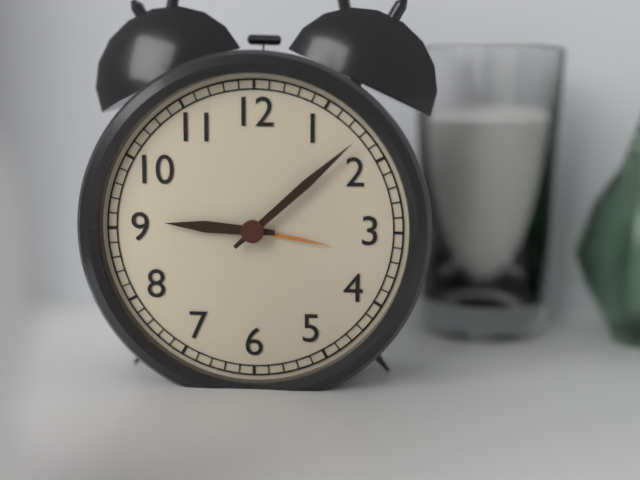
9:08
